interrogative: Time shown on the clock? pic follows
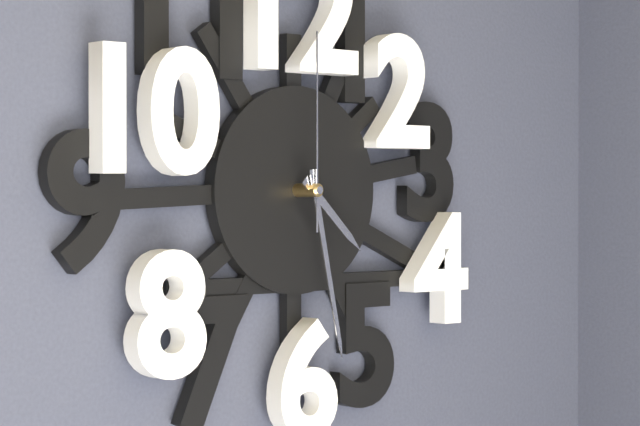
4:28:00
